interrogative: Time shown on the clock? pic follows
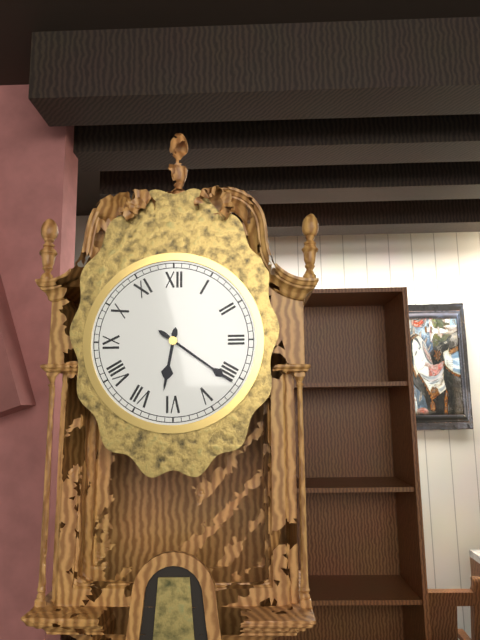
6:21
